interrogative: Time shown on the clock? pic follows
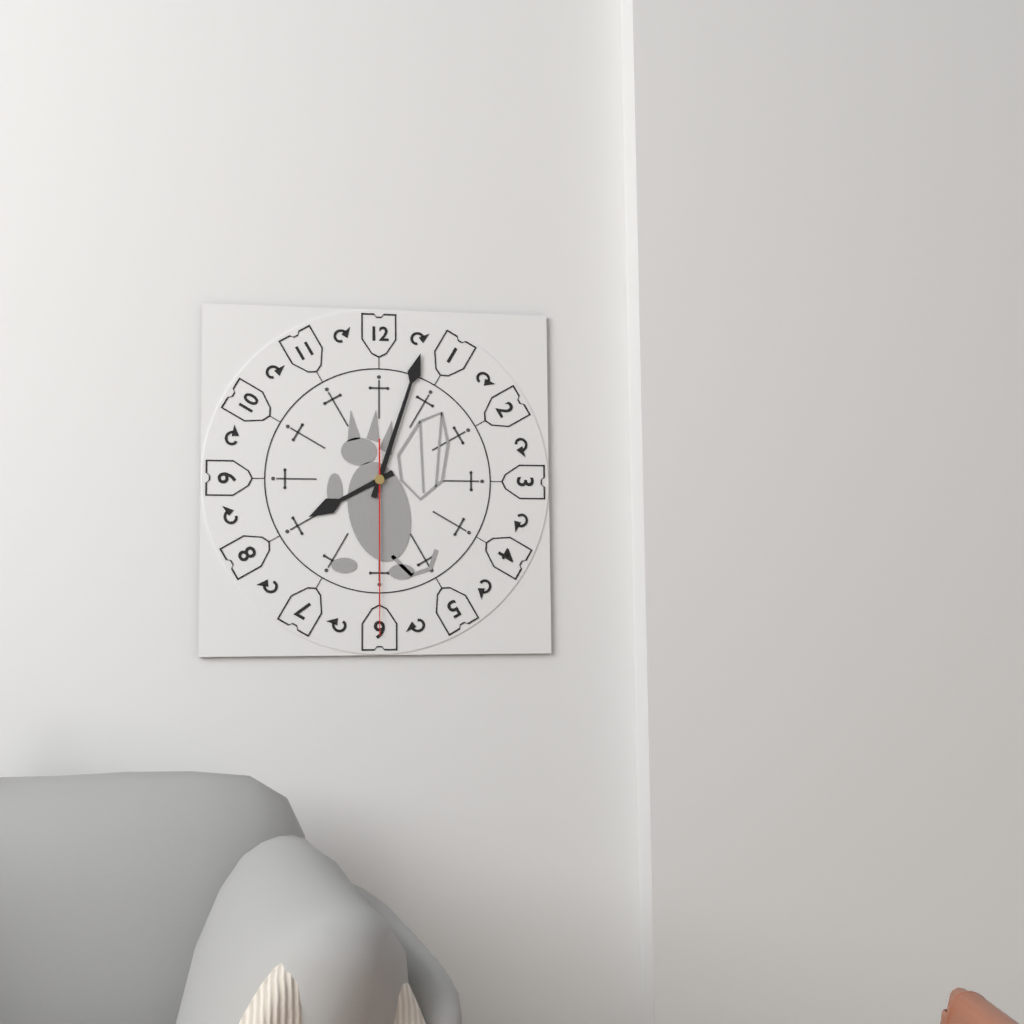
8:03:30
